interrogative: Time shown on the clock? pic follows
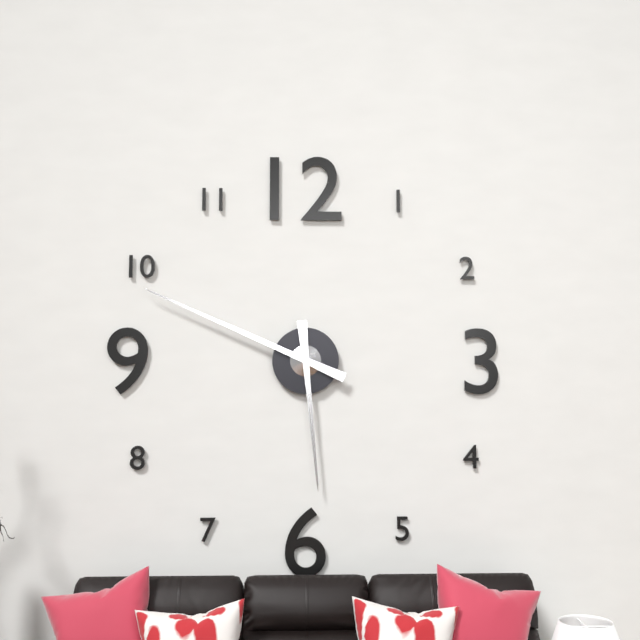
5:49
